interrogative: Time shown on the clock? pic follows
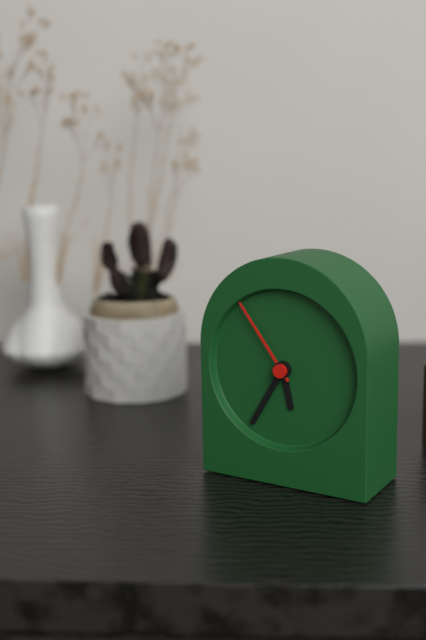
5:35:54
